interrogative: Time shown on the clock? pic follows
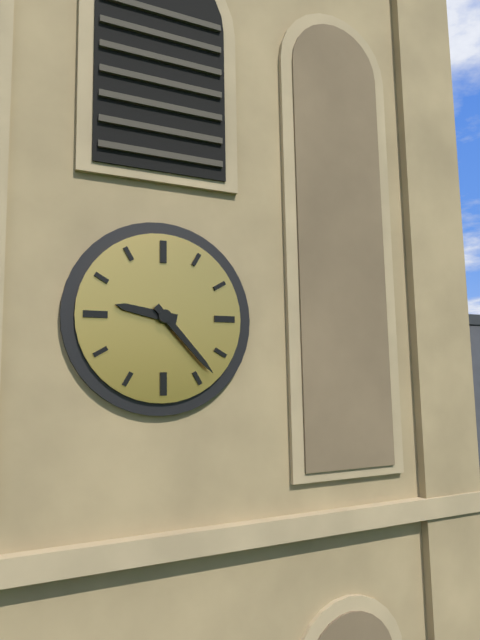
9:23
